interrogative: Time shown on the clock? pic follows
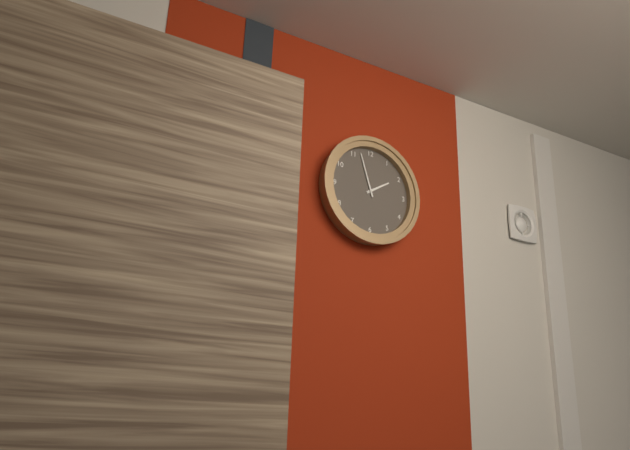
1:57
